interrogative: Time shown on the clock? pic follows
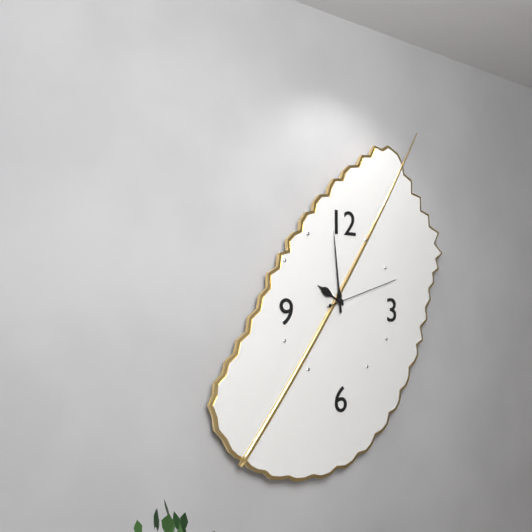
9:59:12
